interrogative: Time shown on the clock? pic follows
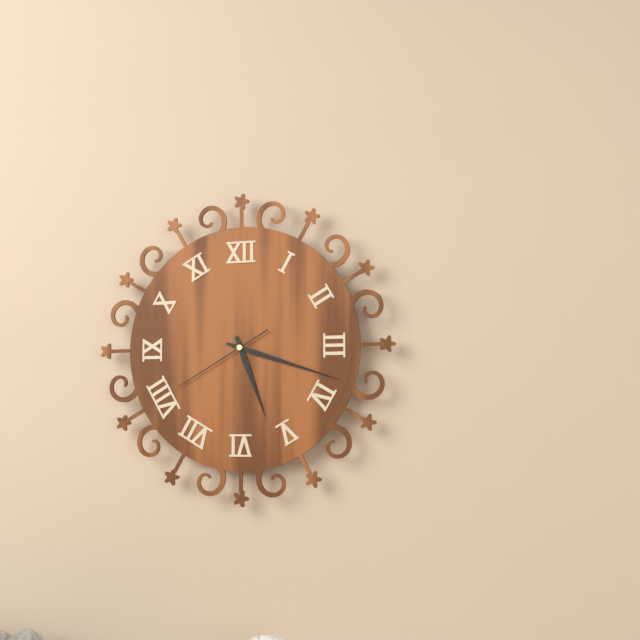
5:18:40
